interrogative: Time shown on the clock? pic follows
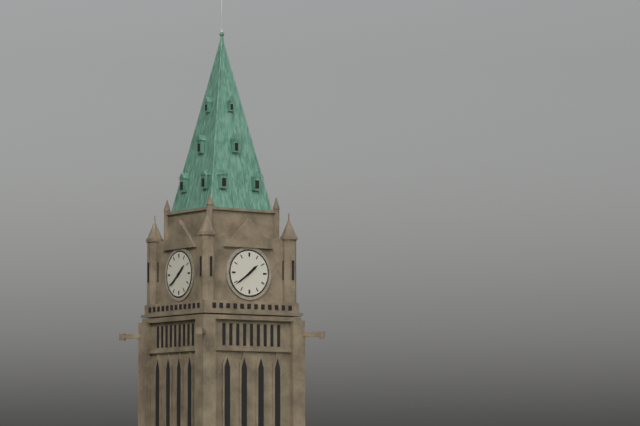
1:39
